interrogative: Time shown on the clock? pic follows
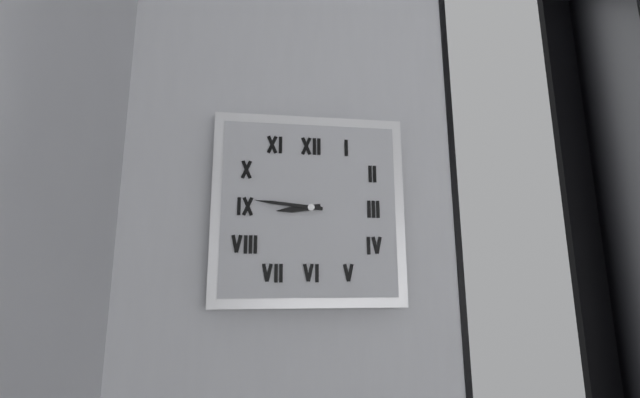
8:46
